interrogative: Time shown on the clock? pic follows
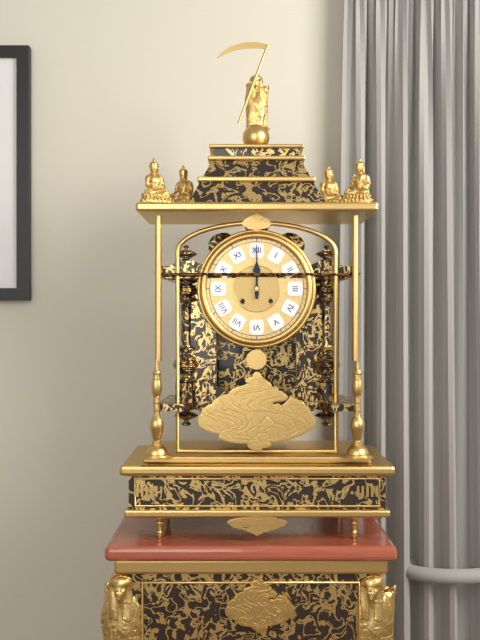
12:00
